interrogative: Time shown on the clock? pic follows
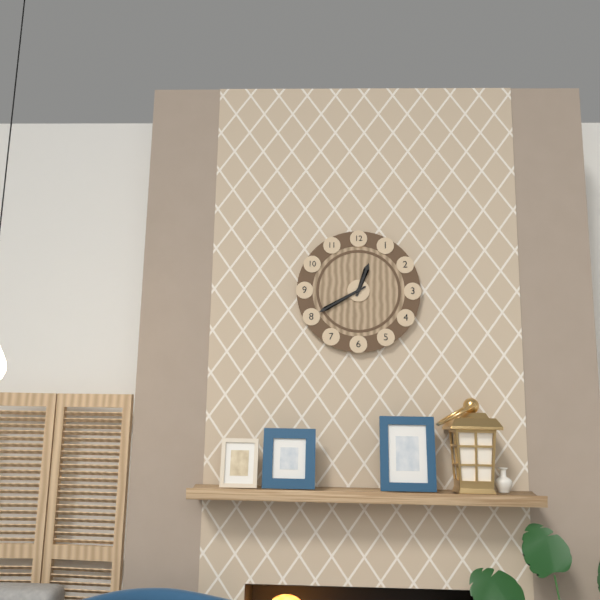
12:40
